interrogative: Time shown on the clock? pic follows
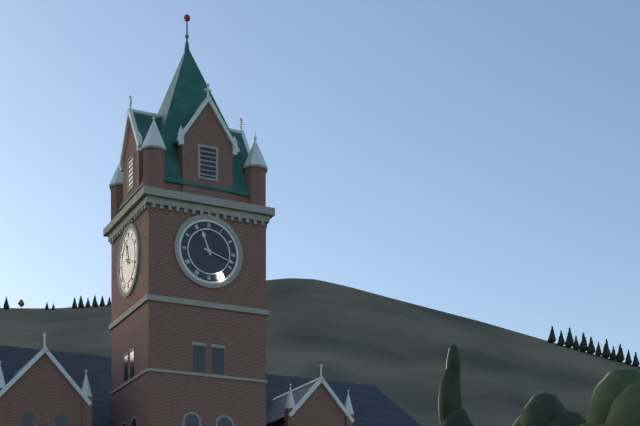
11:18
